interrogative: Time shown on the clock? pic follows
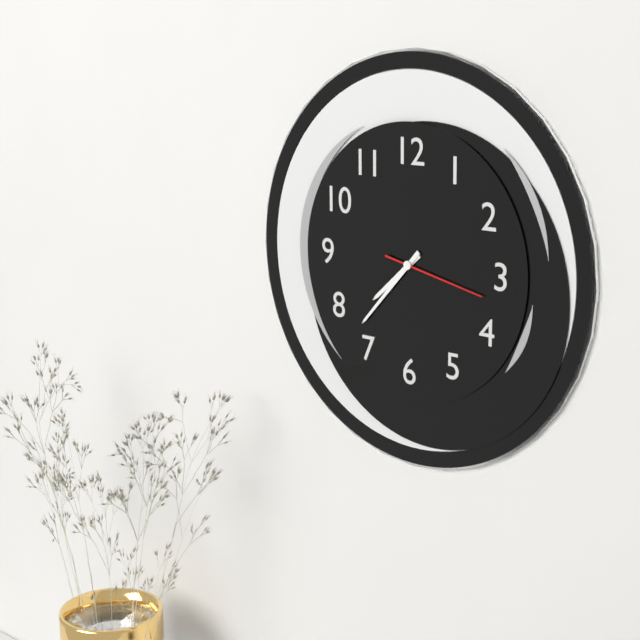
7:37:17
